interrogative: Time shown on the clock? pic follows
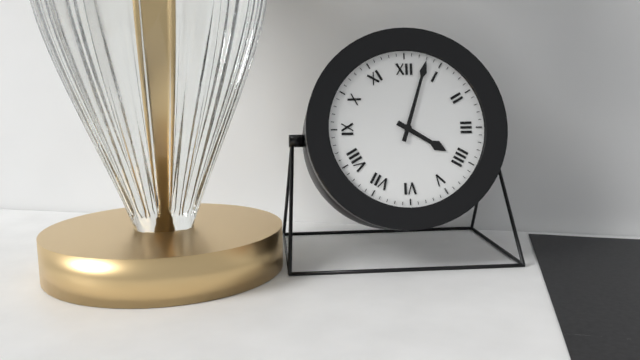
4:03
